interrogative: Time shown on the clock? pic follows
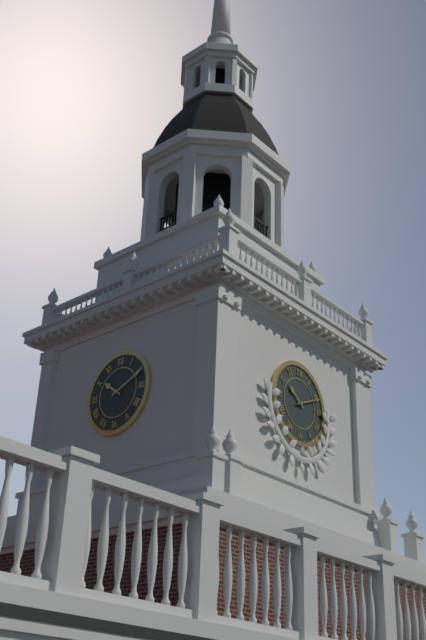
10:11
